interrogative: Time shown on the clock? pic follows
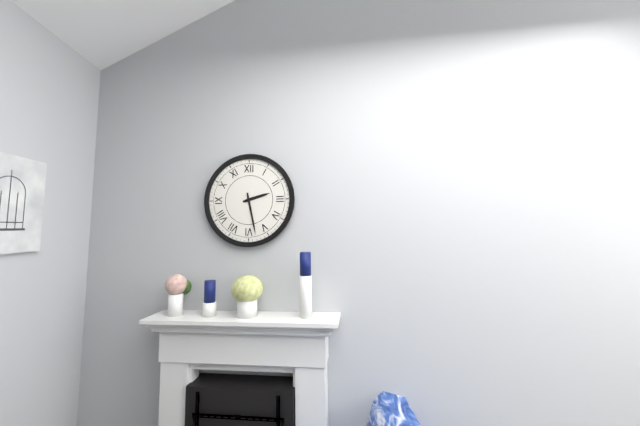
2:28
